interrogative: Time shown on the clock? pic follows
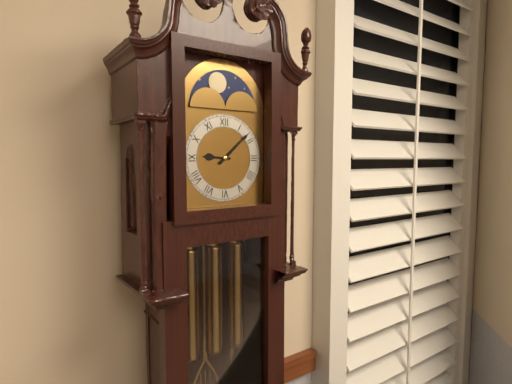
9:08
